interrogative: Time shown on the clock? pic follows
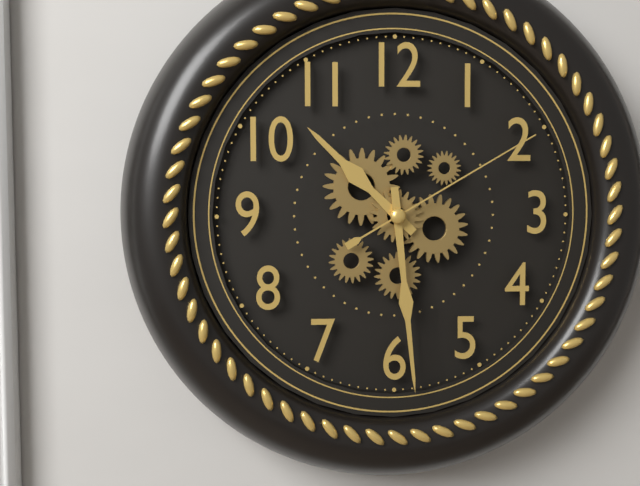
10:29:10
